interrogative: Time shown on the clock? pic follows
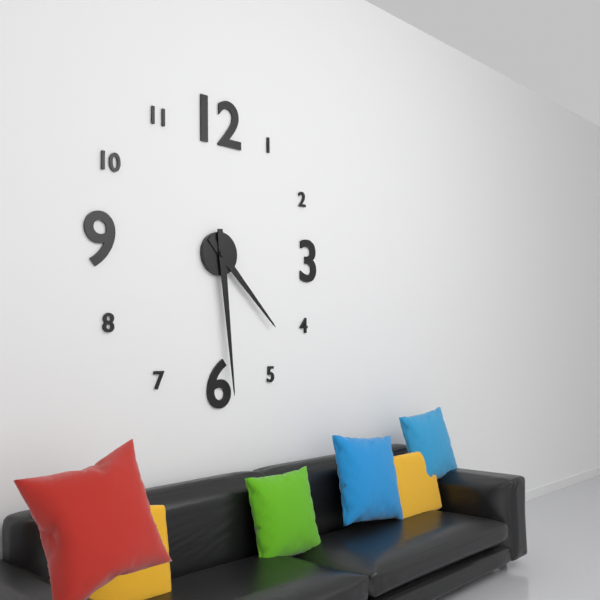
4:29
